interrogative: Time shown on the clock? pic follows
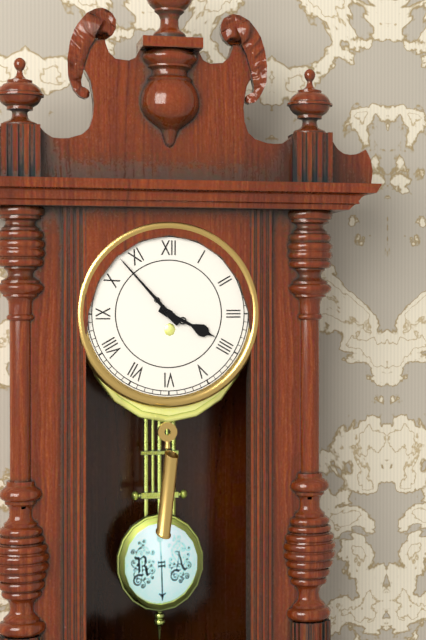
3:53
